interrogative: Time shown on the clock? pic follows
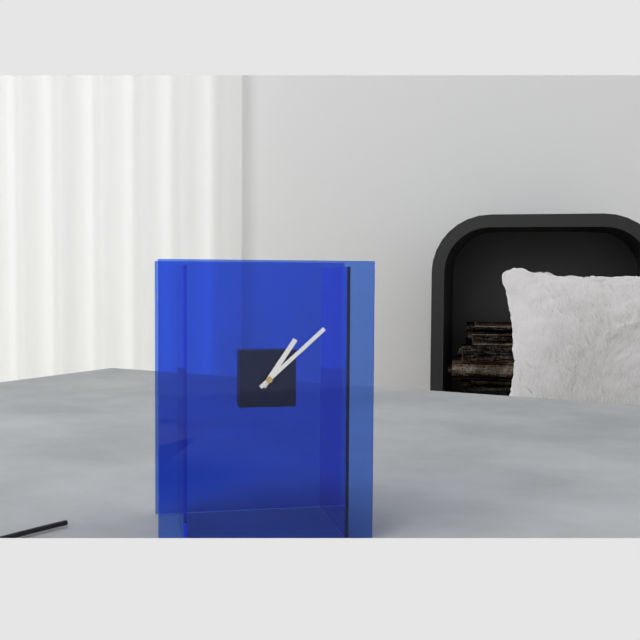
1:08
